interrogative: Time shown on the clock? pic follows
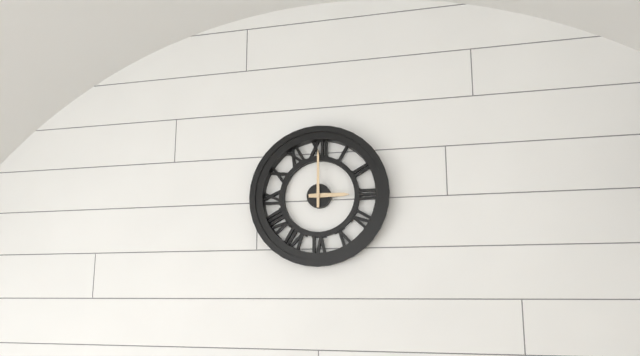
3:00
